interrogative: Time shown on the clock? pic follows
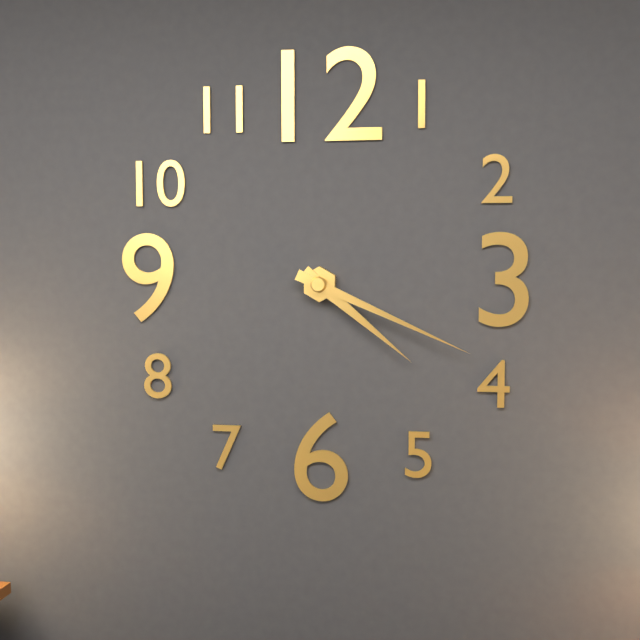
4:19
